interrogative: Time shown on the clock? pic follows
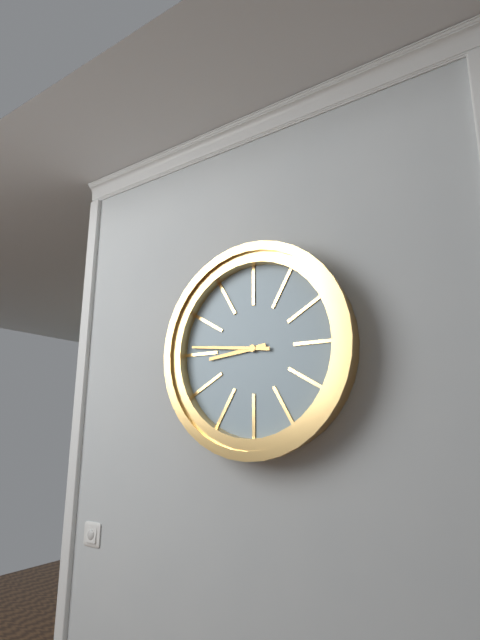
8:46
